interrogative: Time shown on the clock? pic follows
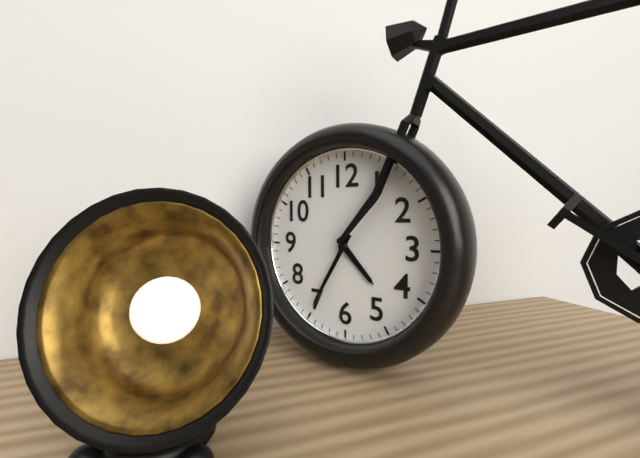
4:35
